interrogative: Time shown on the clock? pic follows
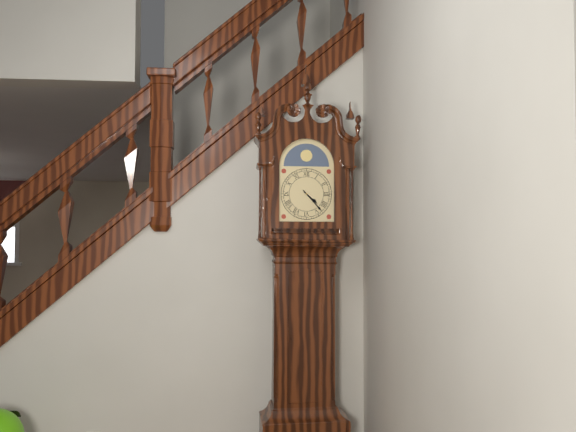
4:23
